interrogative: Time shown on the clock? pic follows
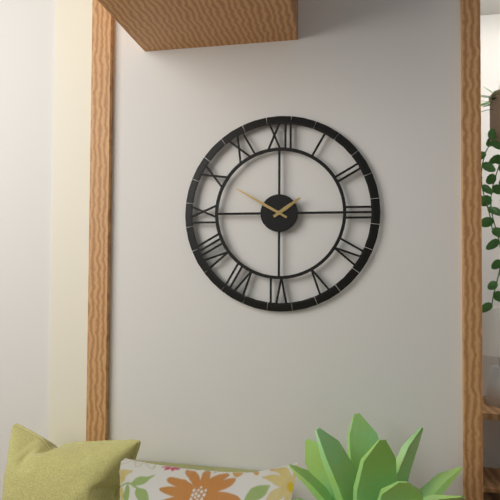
1:50
